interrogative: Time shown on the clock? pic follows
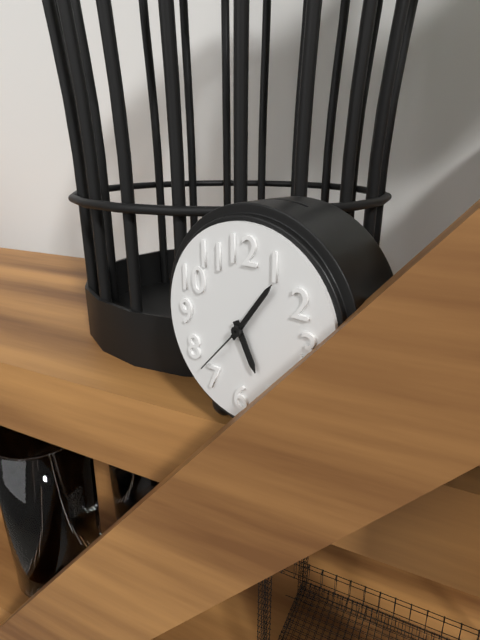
5:06:37
